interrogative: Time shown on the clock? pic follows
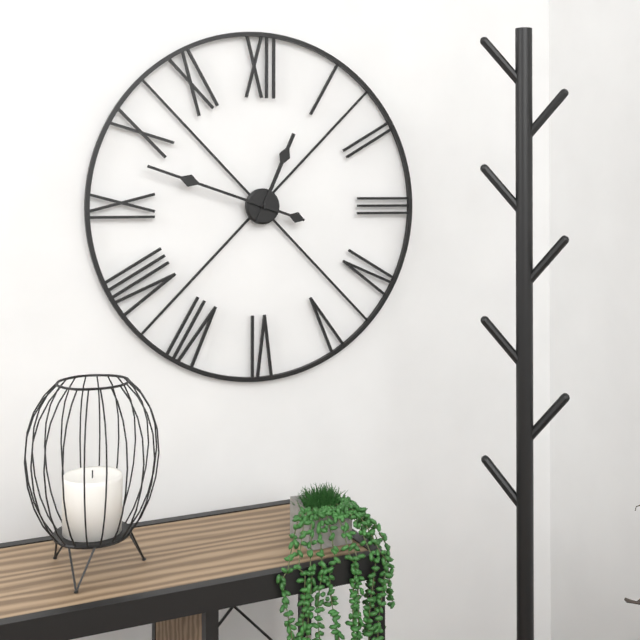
12:48
